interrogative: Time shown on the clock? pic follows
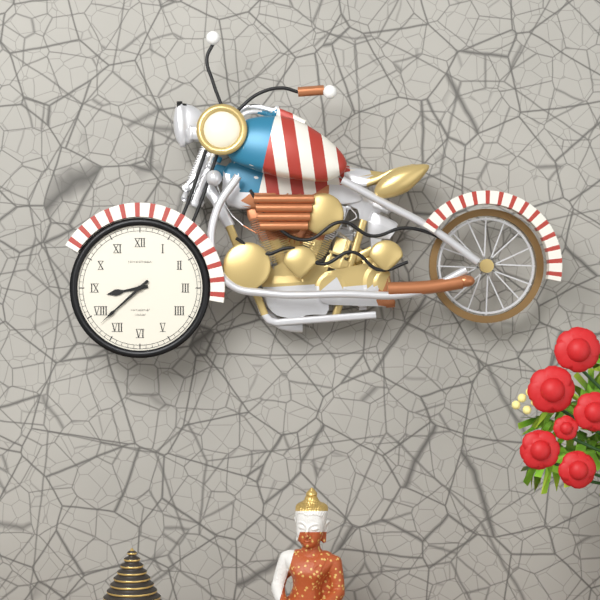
8:38
